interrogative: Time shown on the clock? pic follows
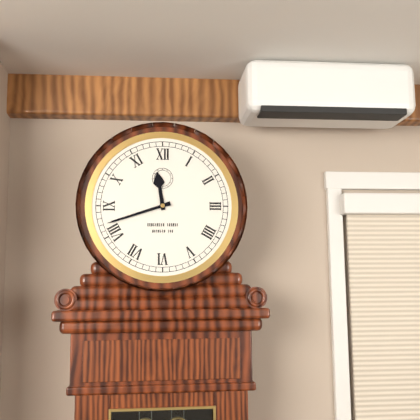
11:42
